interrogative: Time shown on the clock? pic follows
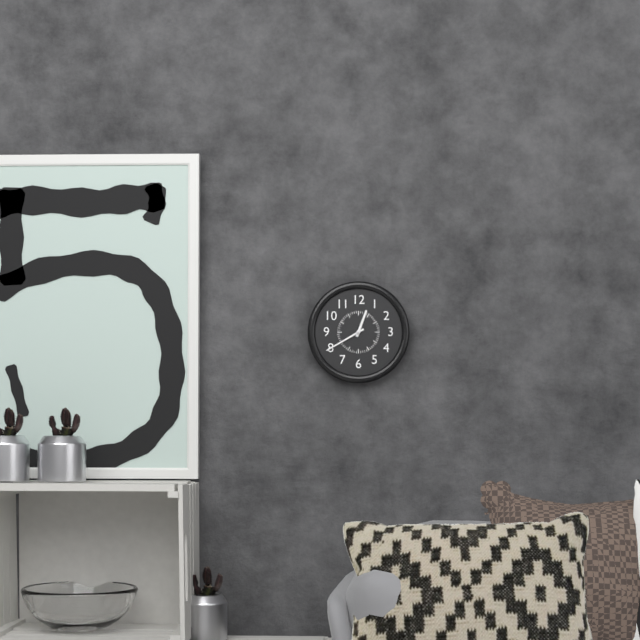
12:40
